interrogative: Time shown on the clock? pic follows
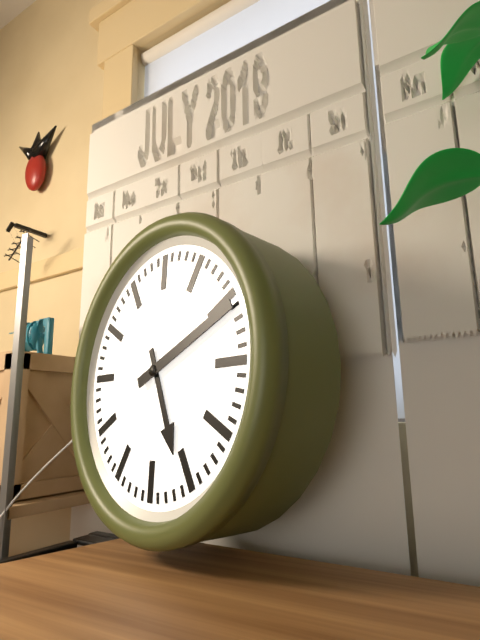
5:11
